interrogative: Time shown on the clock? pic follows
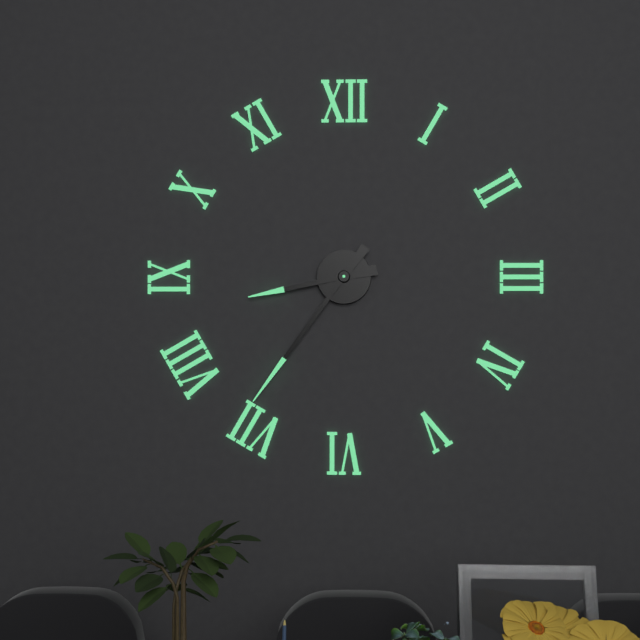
8:36
